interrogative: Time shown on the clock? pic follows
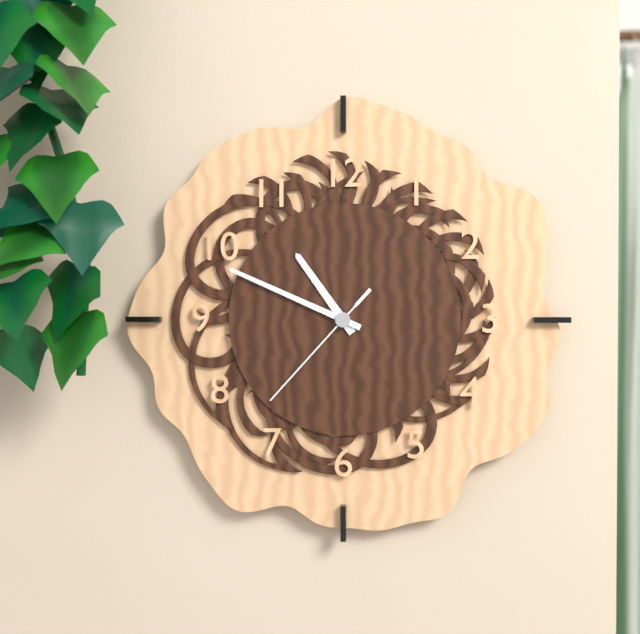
10:49:37
